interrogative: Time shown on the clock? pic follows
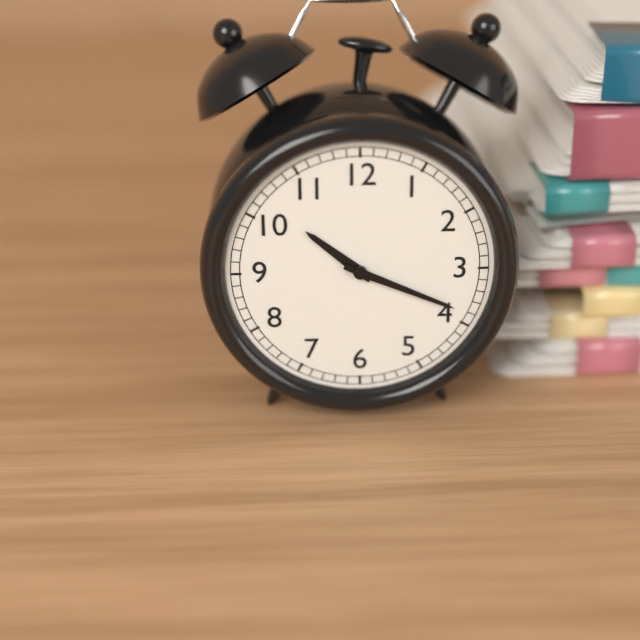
10:19
